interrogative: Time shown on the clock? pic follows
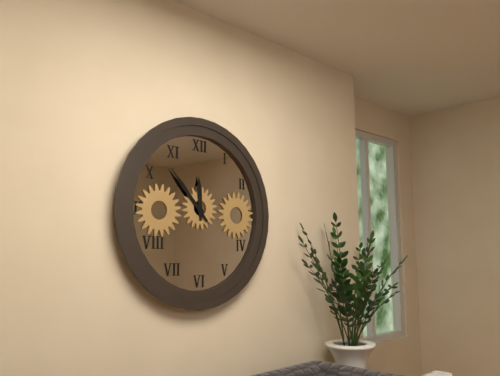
11:53
